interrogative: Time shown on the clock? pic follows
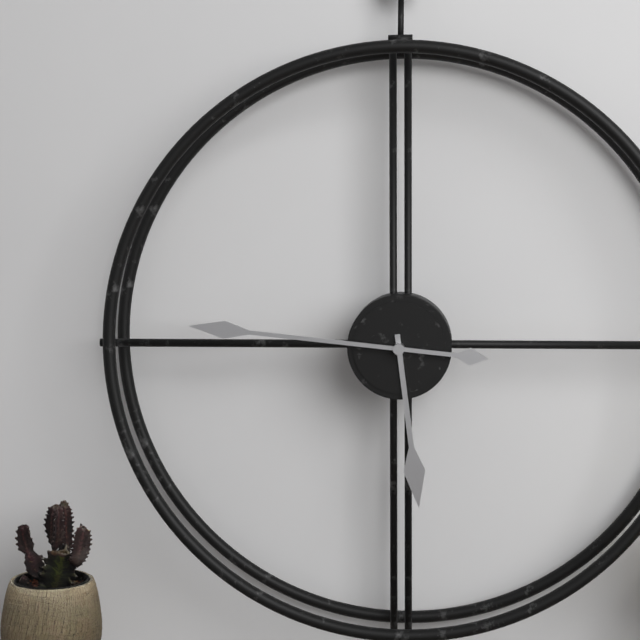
5:46
